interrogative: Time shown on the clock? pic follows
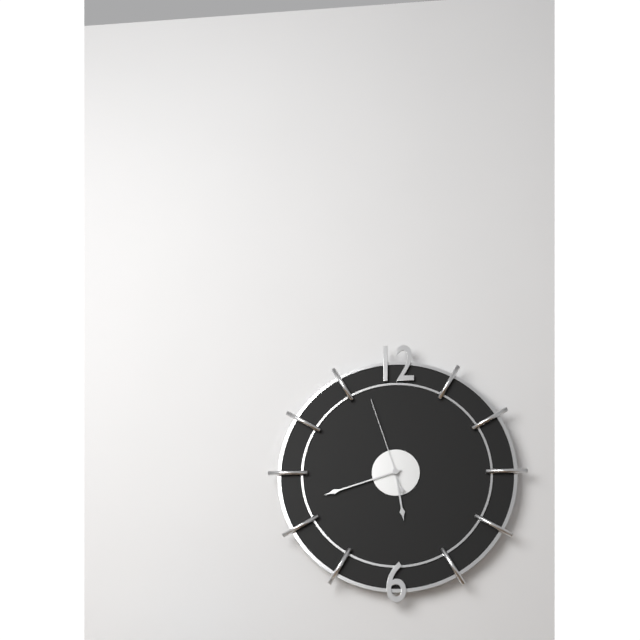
5:42:57
